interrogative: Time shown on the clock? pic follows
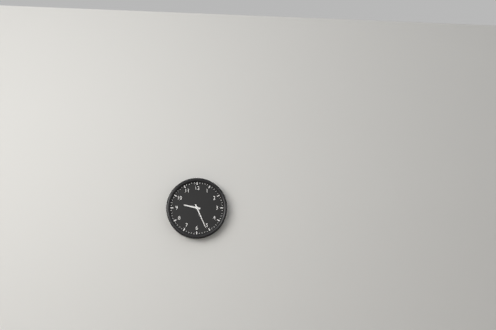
9:26
